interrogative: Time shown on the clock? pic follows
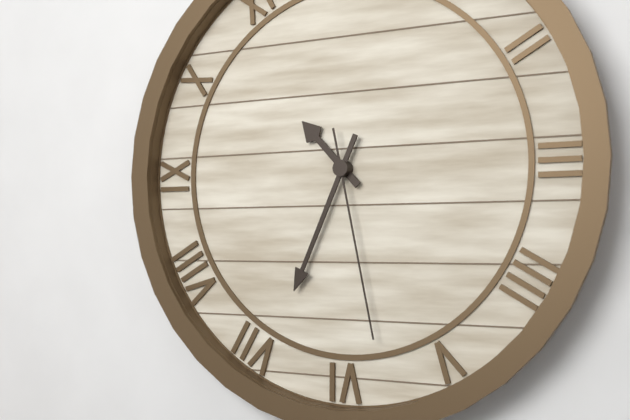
10:34:28
